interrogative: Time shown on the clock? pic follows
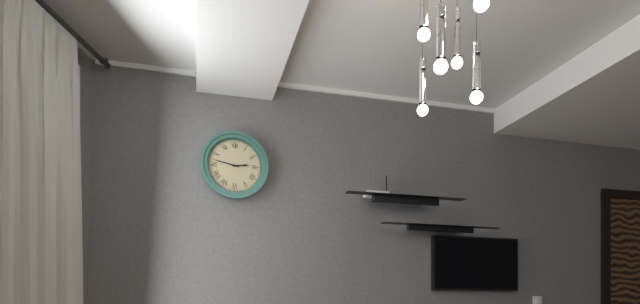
2:47
